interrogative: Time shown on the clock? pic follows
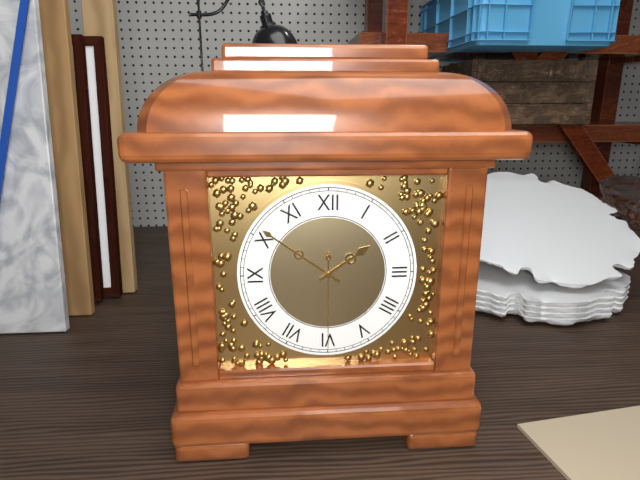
1:51:30
